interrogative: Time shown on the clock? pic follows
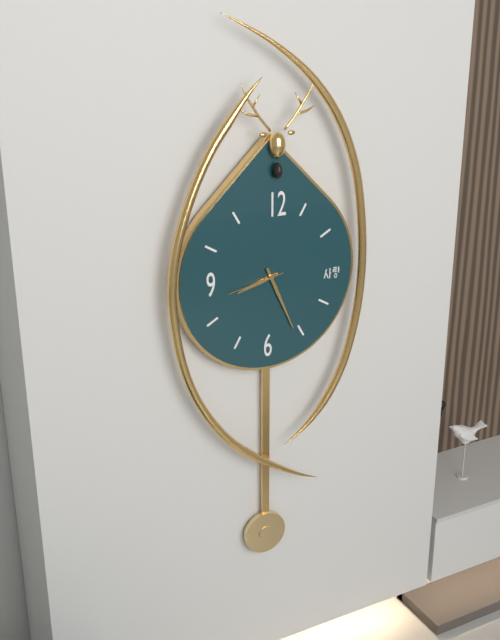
8:26:43
